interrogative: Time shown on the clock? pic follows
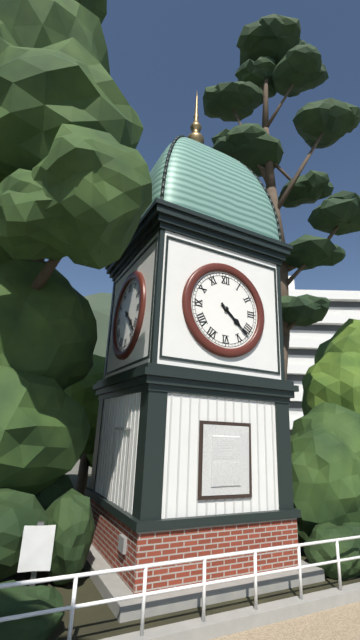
4:22
